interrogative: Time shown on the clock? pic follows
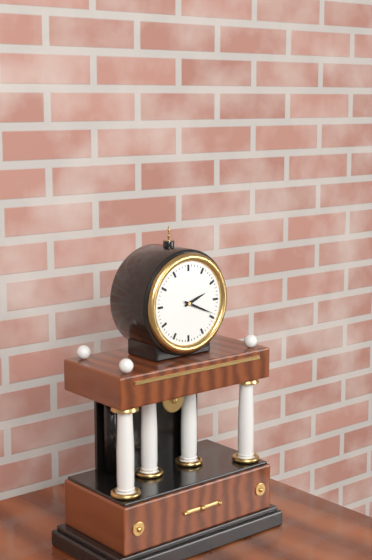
2:19
